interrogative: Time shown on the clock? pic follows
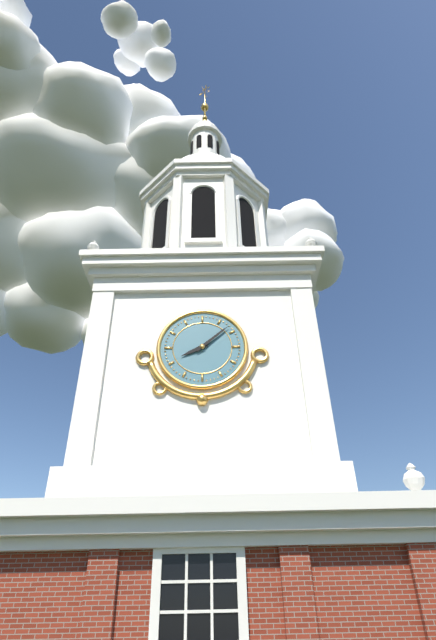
8:08
